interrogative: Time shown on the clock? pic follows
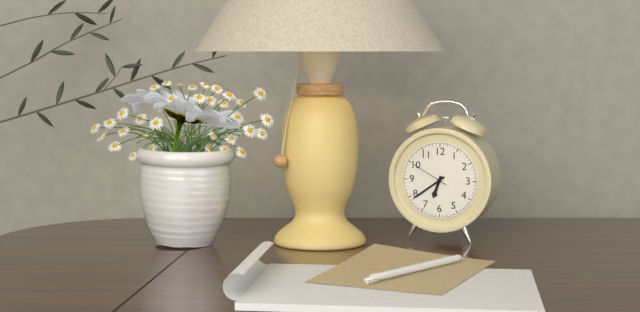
6:39
